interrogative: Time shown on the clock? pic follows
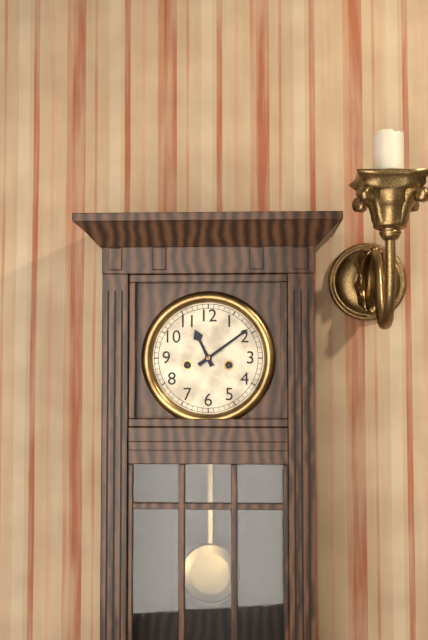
11:09
